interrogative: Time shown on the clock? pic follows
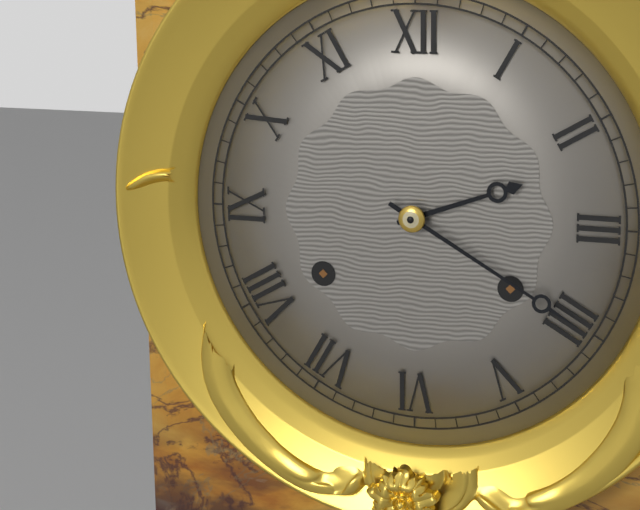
2:20
